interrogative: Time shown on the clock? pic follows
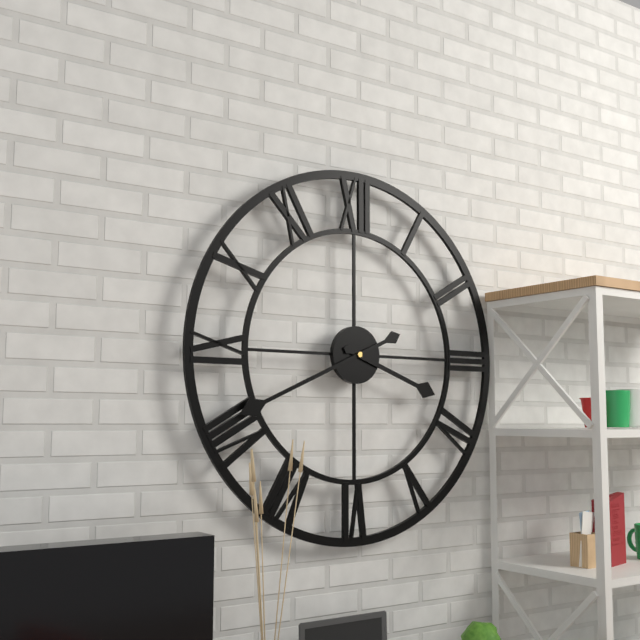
3:41
